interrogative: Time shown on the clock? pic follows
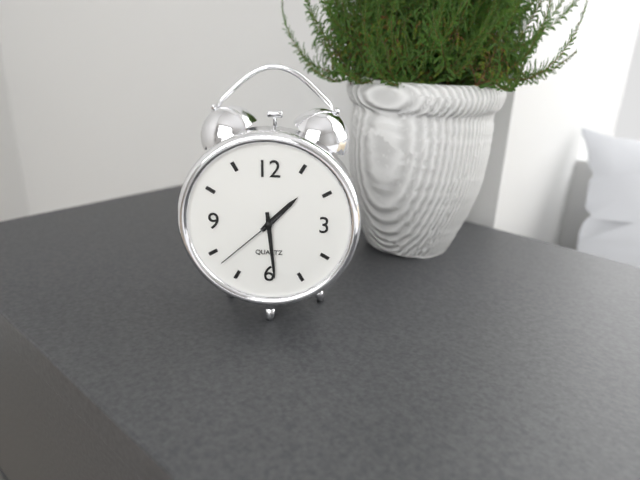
1:29:38
